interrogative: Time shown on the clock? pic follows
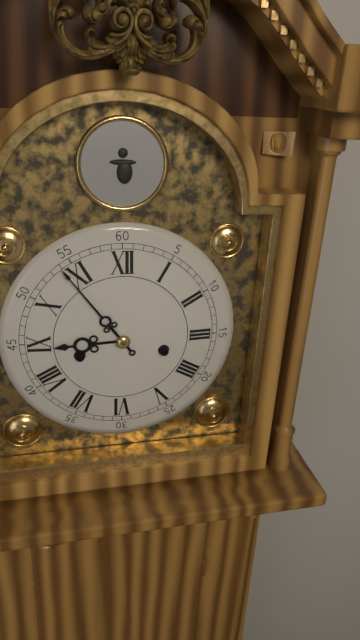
8:54
